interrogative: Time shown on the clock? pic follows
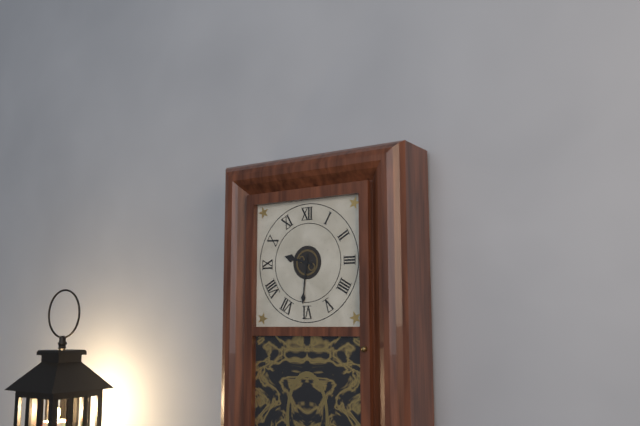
9:31
